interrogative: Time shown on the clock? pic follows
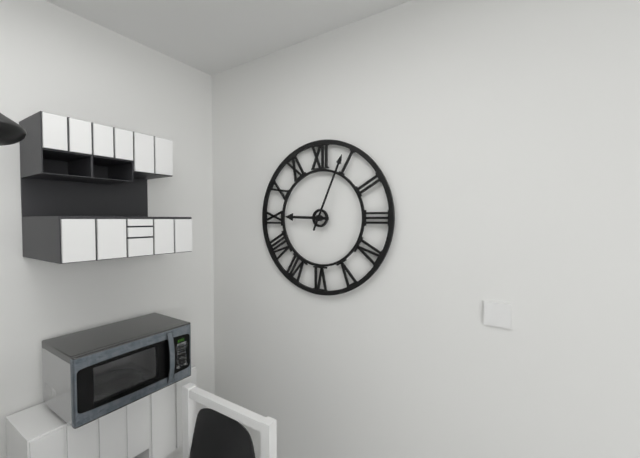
9:04
